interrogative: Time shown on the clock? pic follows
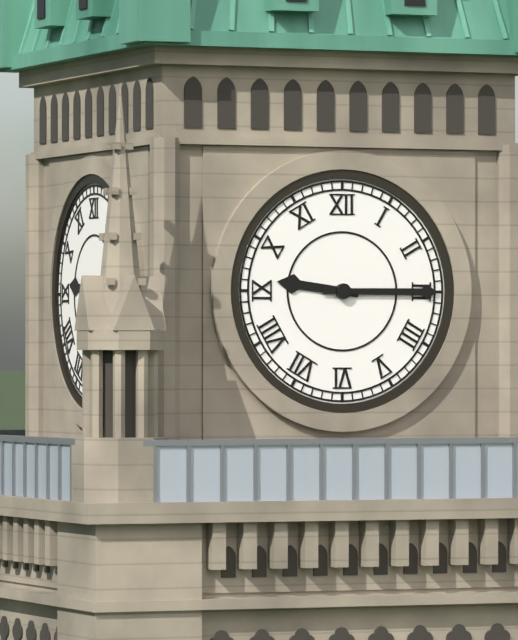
9:15
